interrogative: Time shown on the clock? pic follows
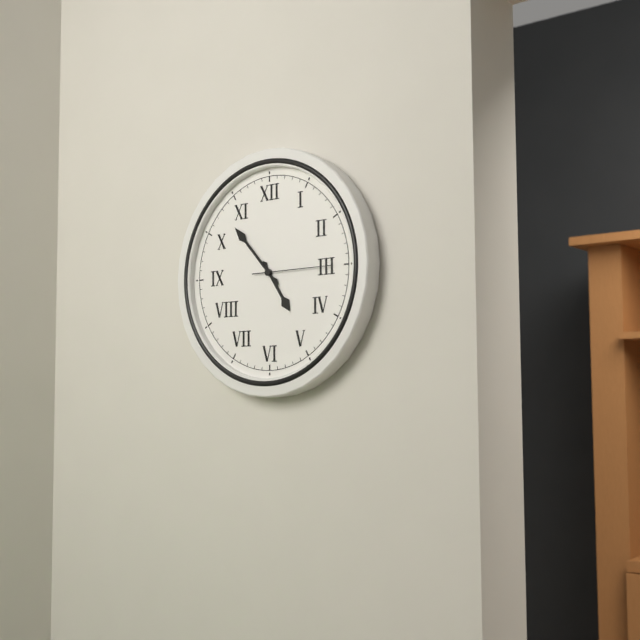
4:53:15
